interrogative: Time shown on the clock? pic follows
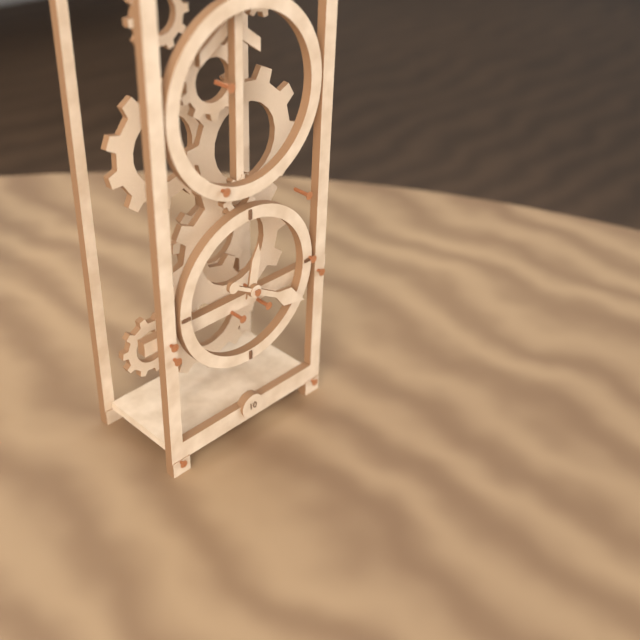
12:20
